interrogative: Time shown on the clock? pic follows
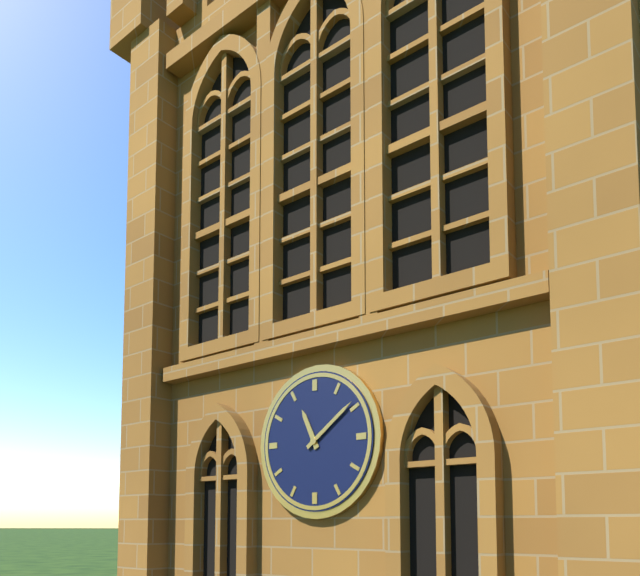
11:09
